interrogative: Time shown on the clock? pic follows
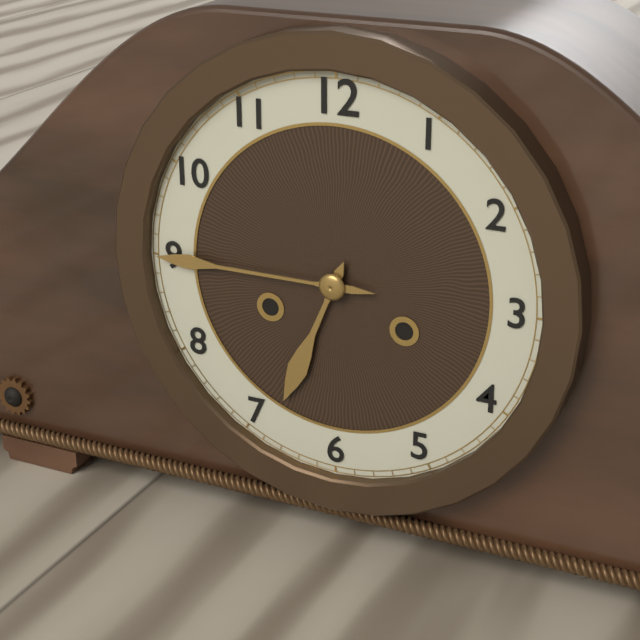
6:45
